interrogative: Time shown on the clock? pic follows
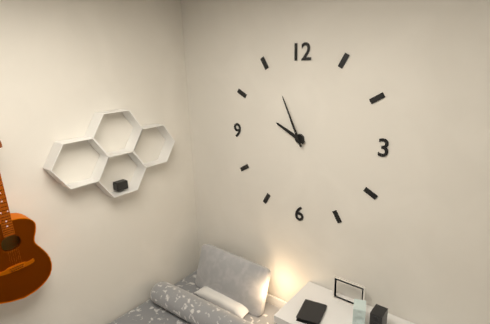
9:56
